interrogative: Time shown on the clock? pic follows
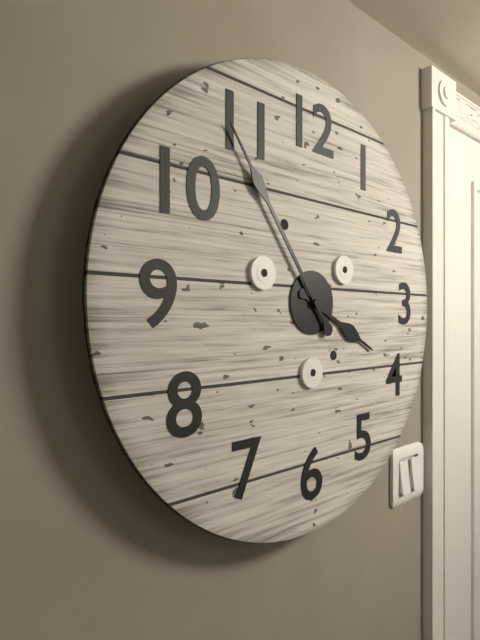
3:54
